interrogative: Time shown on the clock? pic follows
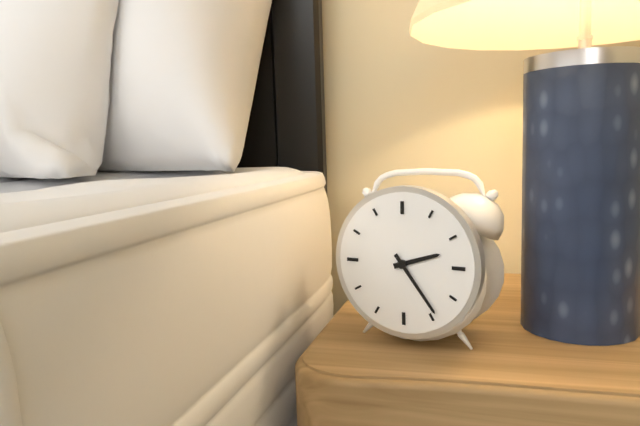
2:24
